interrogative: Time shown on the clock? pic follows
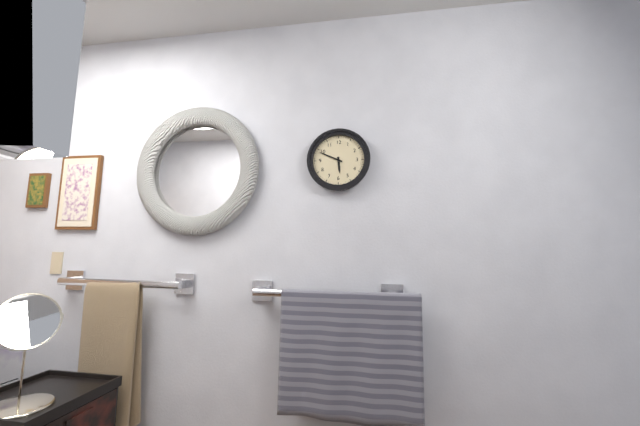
5:49
